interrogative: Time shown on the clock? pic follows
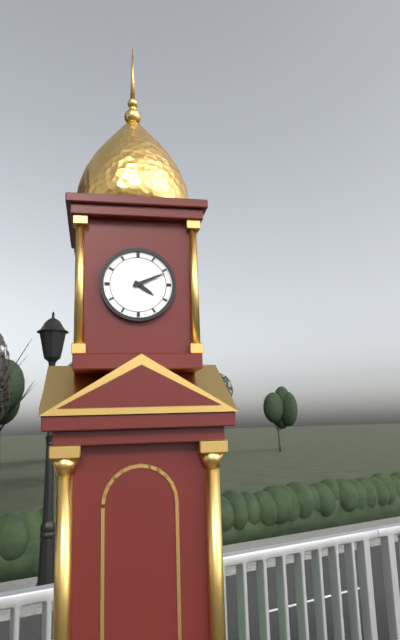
4:11
